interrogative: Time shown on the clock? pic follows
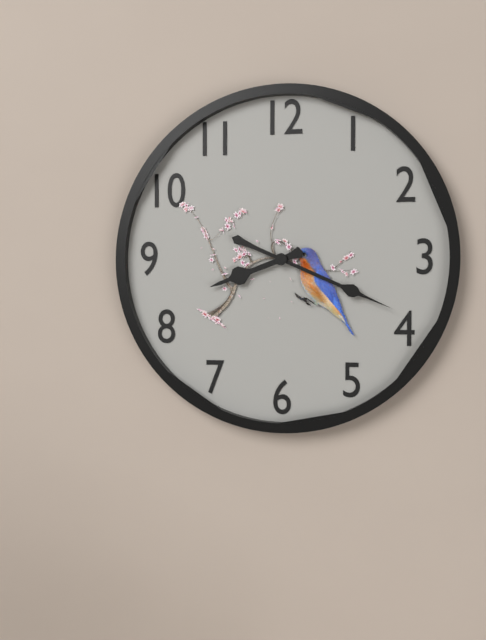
8:19
